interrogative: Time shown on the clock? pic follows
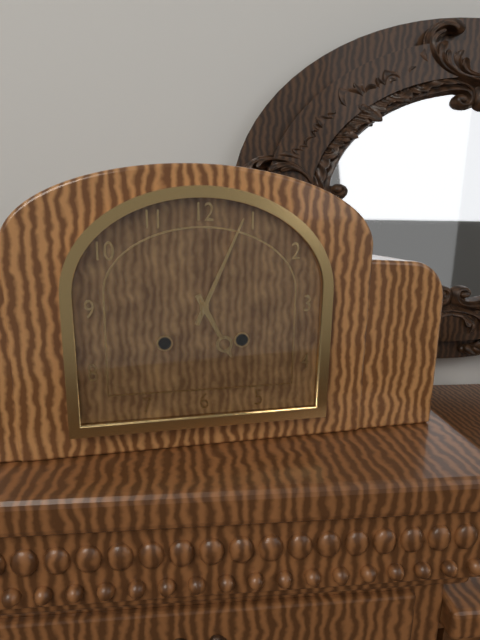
5:04
